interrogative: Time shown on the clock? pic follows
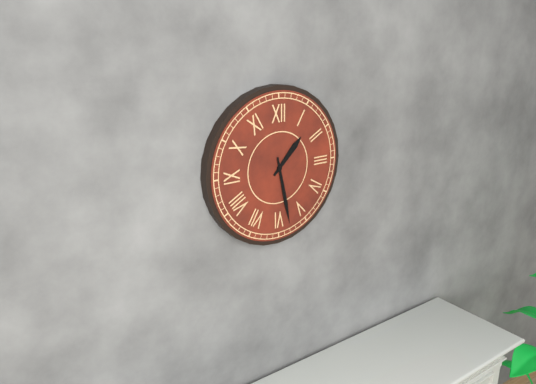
1:28
